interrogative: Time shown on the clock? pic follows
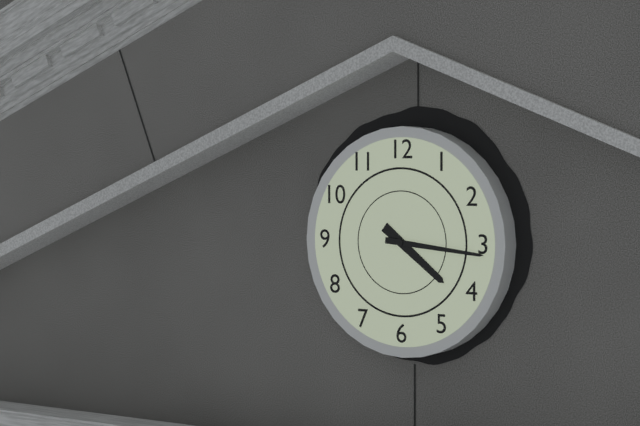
4:16
